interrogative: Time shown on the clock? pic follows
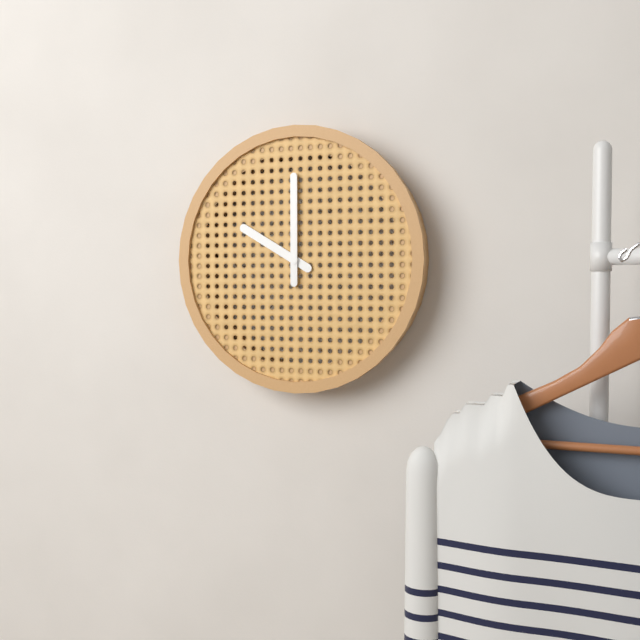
10:00
